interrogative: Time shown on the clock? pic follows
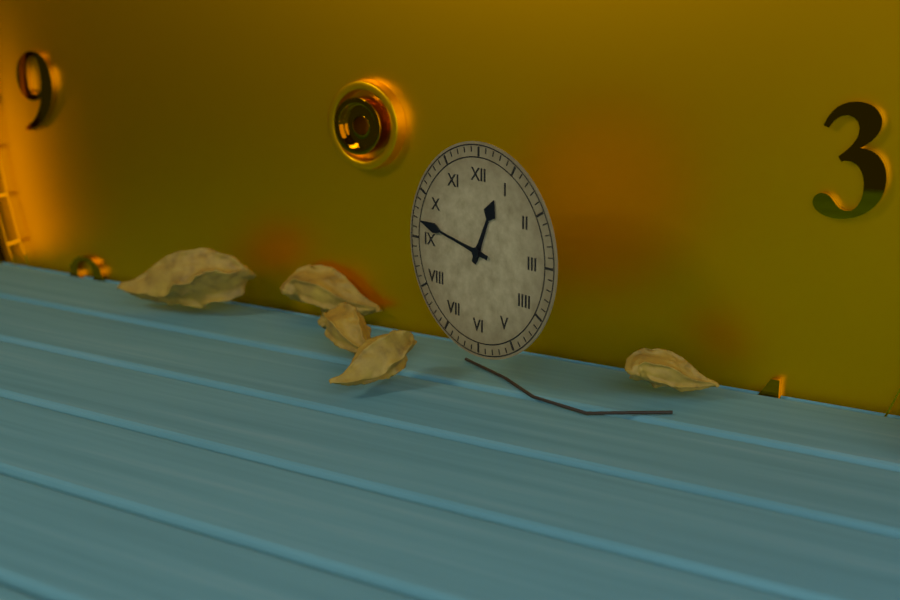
12:47
